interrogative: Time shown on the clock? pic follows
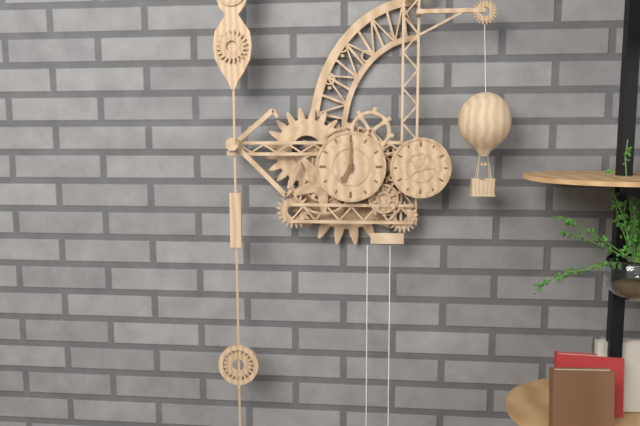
7:00
